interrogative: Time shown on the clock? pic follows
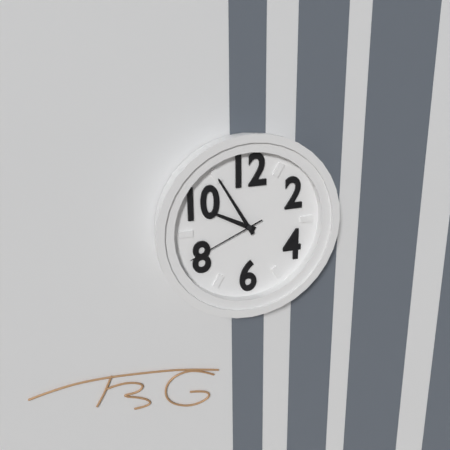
9:55:41
